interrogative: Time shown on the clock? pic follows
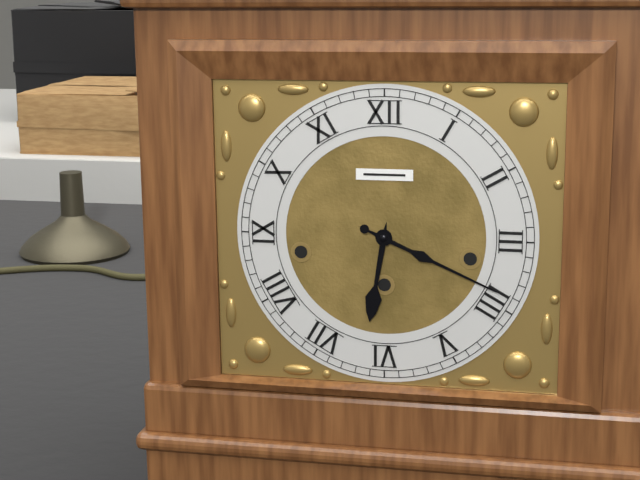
6:19
